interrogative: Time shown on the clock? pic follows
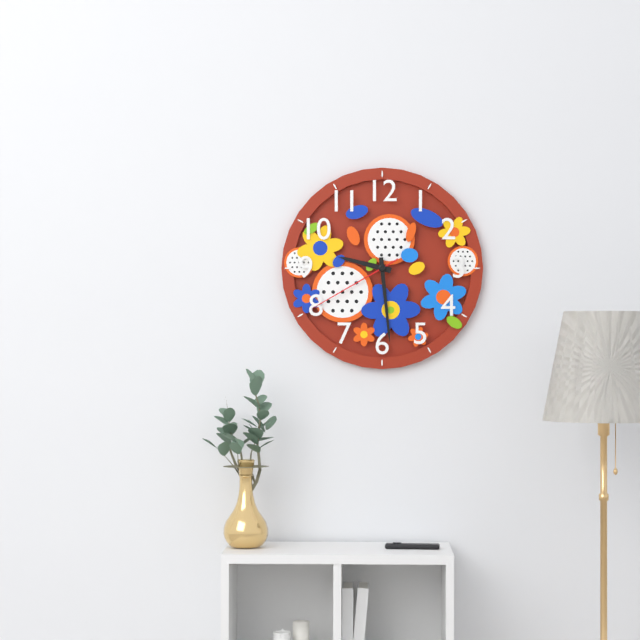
9:29:40
